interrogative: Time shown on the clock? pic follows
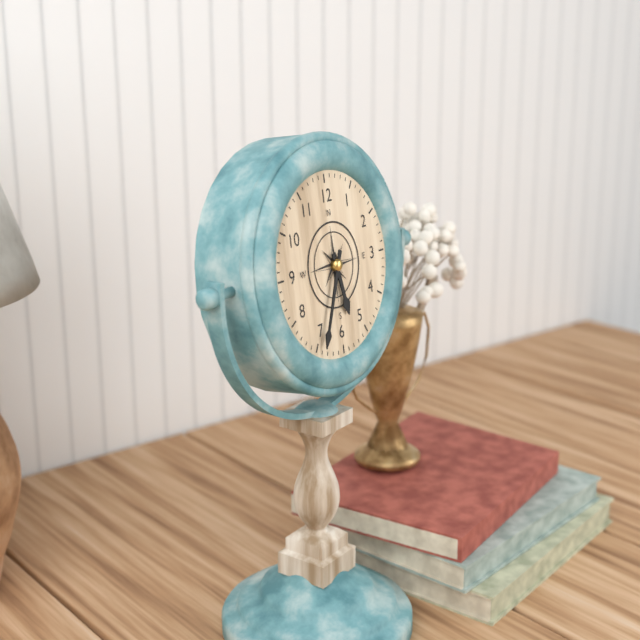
5:34
